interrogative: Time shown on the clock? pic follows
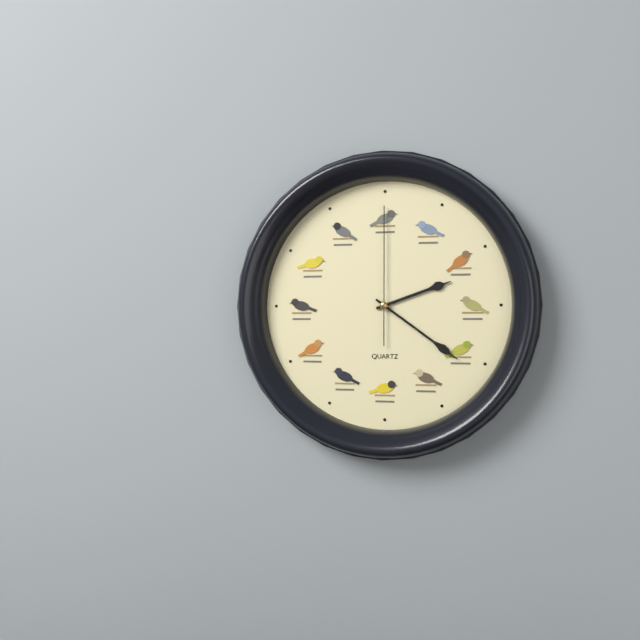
2:21:00
